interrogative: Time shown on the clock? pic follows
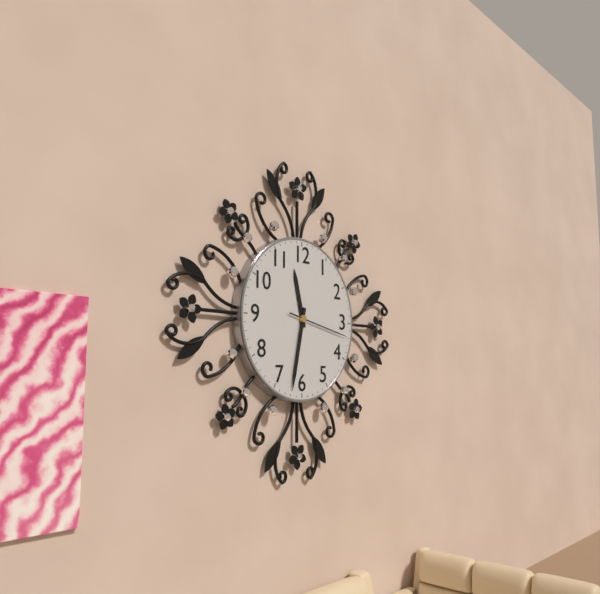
11:32:17
